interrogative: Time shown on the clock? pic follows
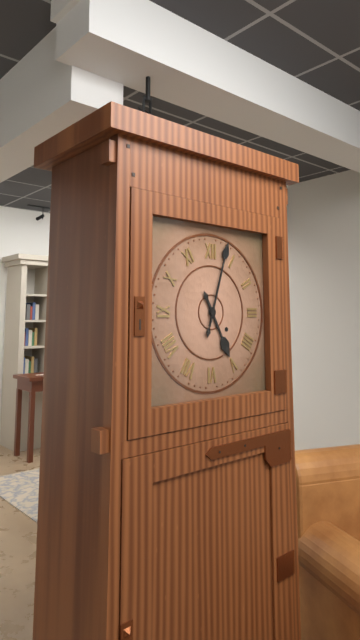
5:03
